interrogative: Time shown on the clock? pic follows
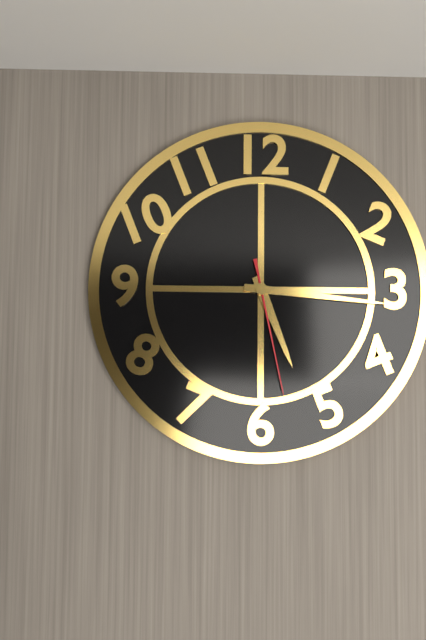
5:16:28
